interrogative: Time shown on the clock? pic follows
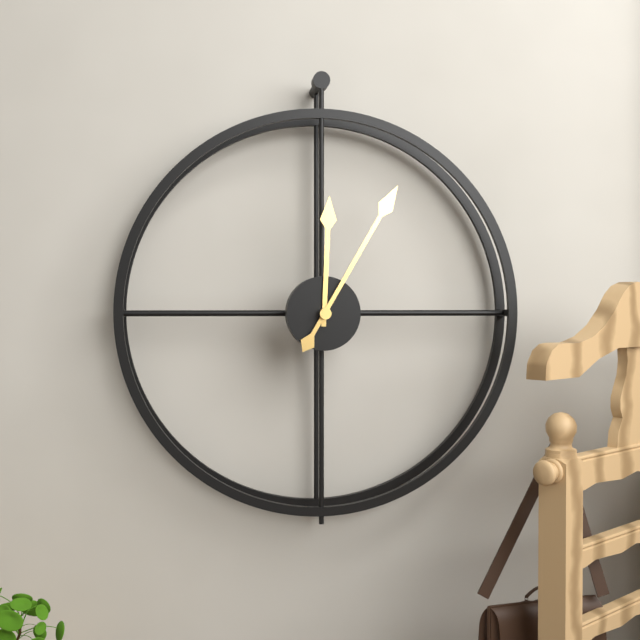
12:05
